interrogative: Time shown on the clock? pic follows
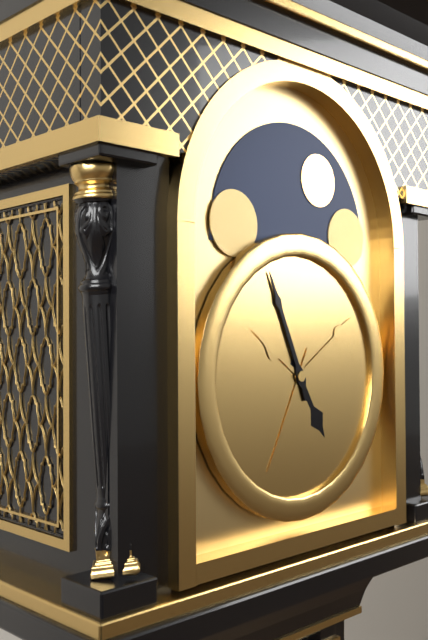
4:56
